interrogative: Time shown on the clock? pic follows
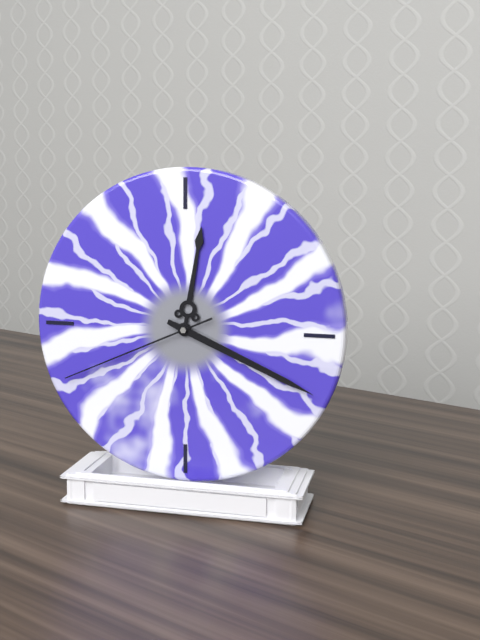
12:19:41
